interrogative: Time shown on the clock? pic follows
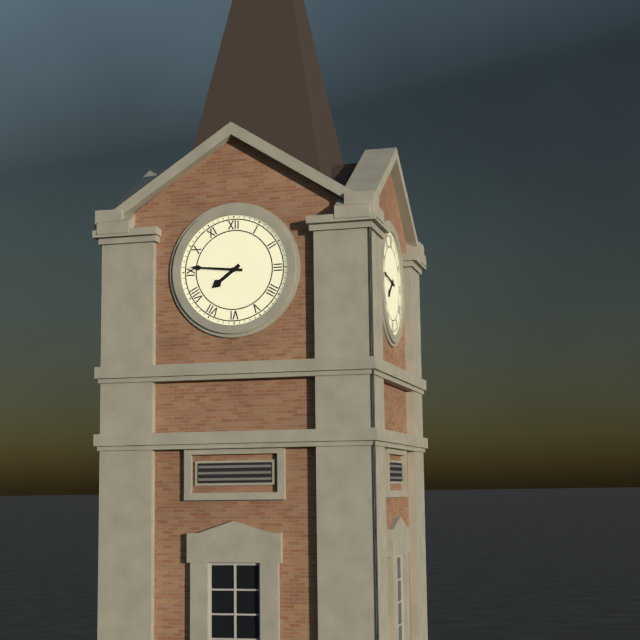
7:46
